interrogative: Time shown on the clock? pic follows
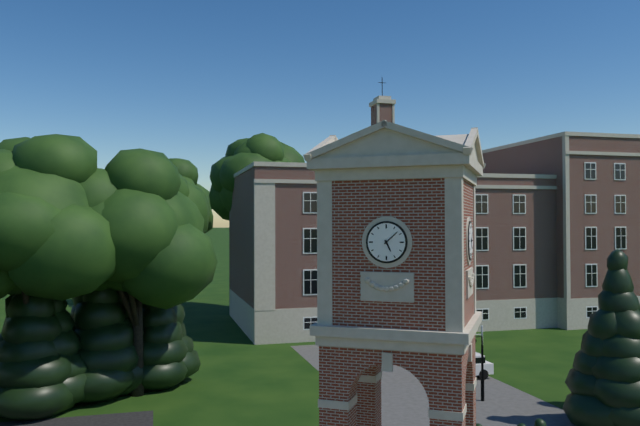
5:08
